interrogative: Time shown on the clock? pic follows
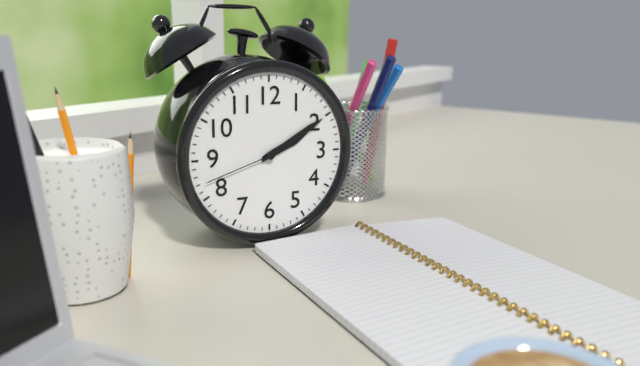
2:10:42
